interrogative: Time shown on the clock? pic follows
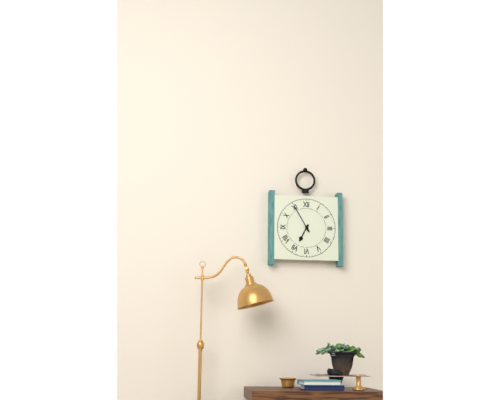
6:55
